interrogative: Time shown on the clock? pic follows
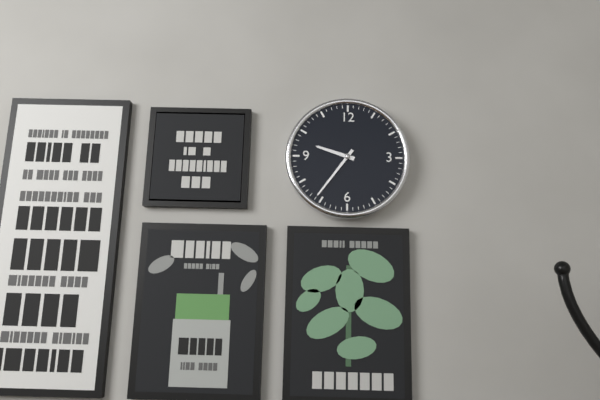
9:36
